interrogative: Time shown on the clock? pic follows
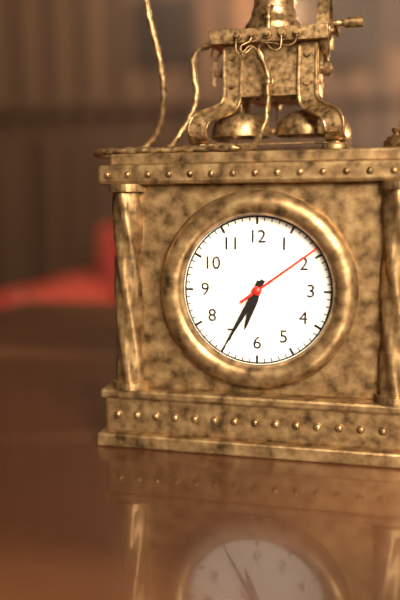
6:35:09
